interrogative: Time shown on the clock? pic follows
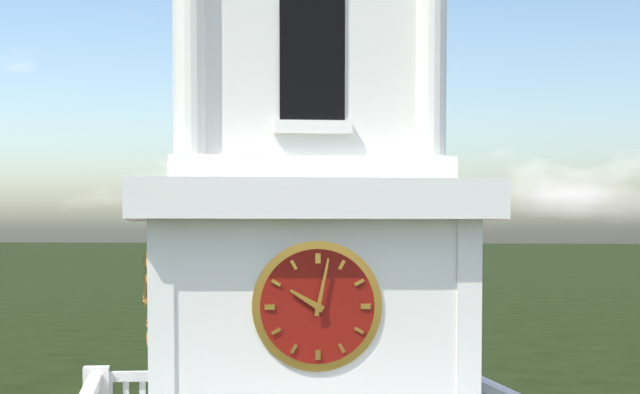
10:02
